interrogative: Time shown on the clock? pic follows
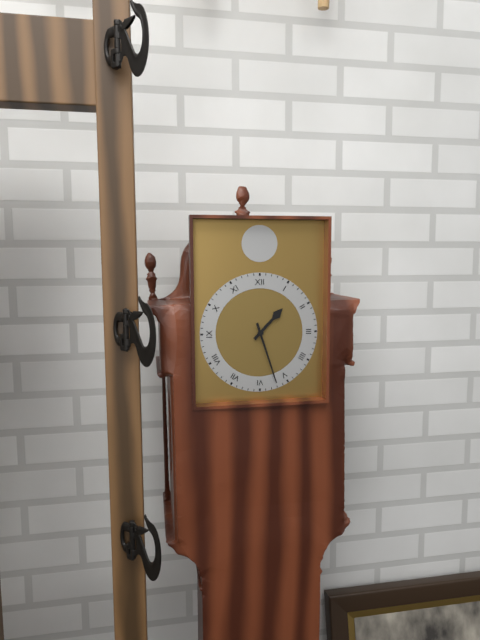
1:27
